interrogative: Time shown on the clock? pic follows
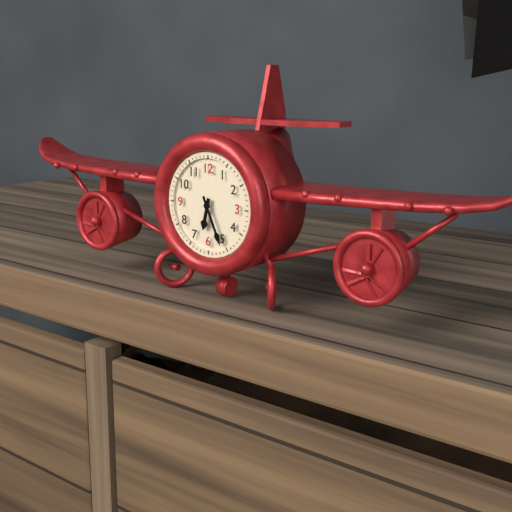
6:26
